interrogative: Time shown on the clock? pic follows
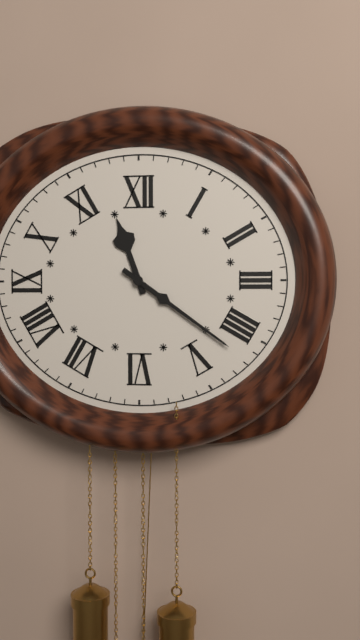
11:21
